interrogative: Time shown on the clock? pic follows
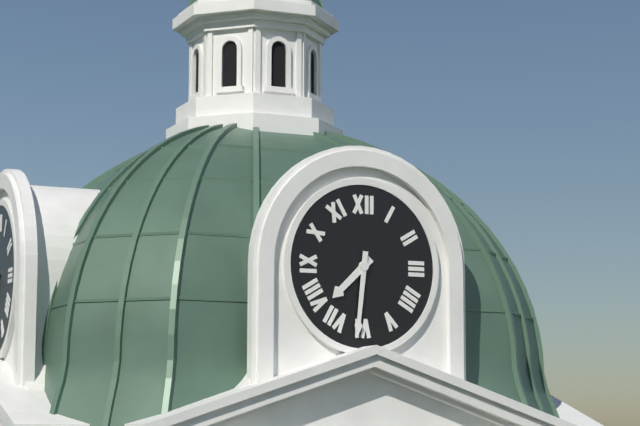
7:31
